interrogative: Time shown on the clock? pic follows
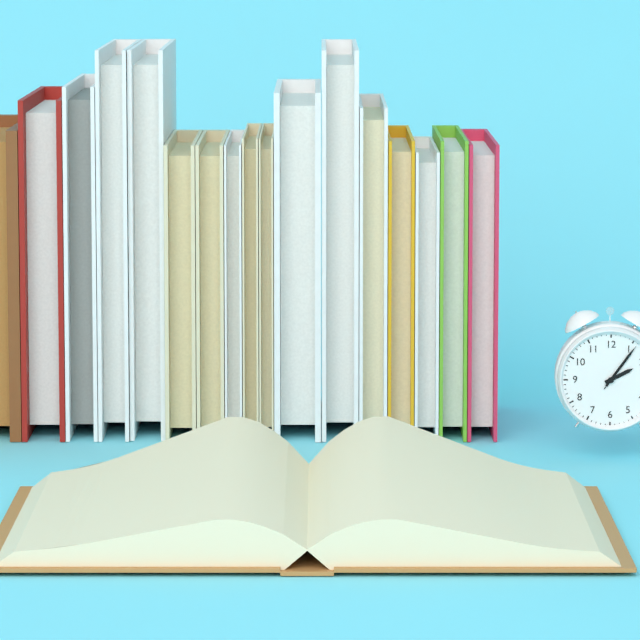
2:06:06
